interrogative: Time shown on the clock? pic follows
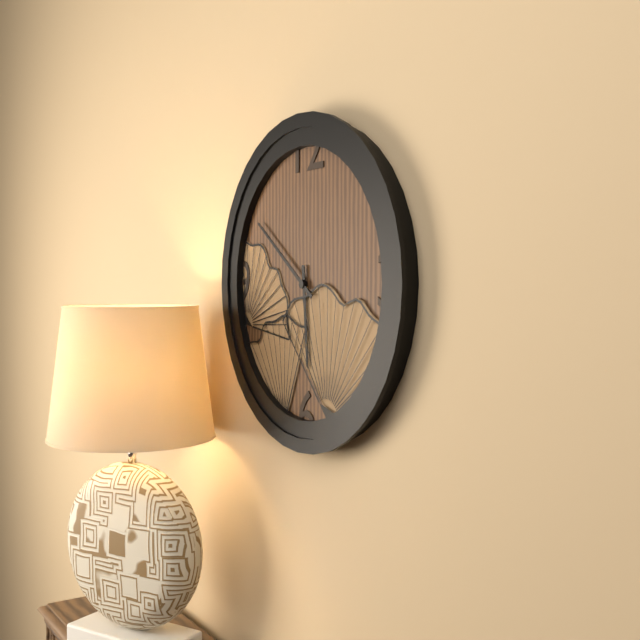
5:51
